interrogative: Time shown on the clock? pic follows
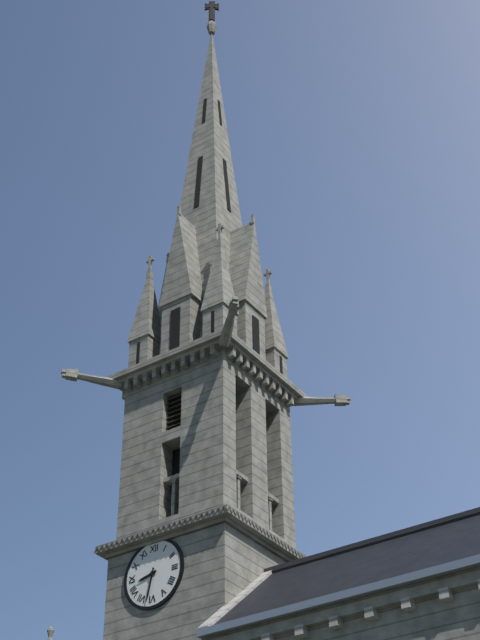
8:32
